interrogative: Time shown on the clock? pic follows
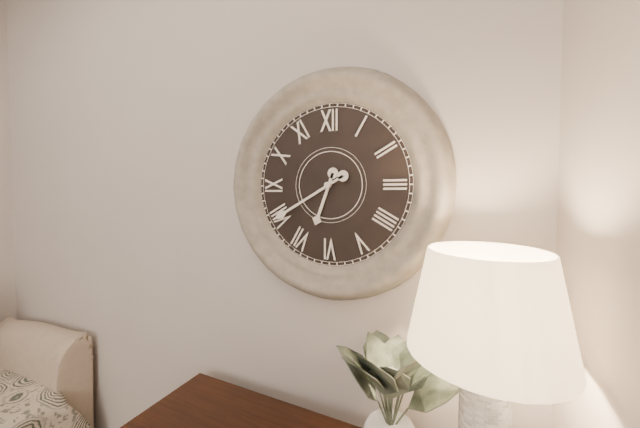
6:40
